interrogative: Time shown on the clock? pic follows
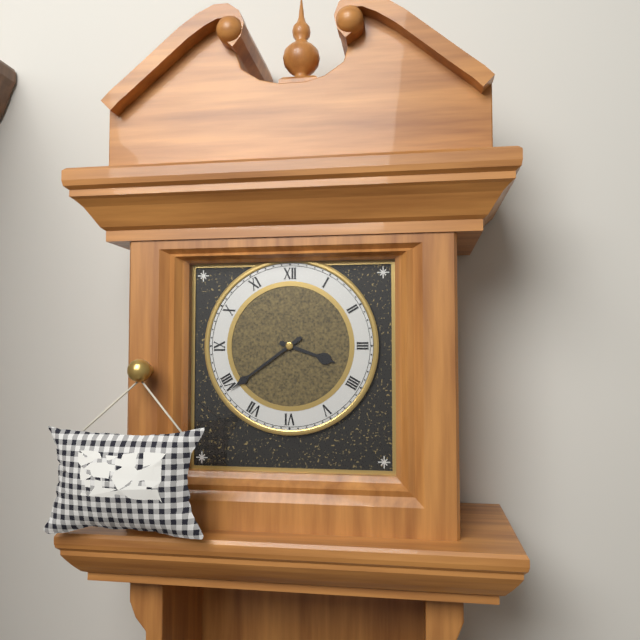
3:39
